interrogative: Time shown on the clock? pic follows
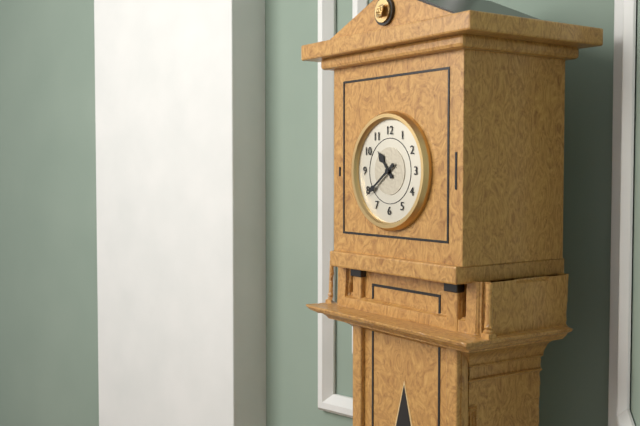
10:39
